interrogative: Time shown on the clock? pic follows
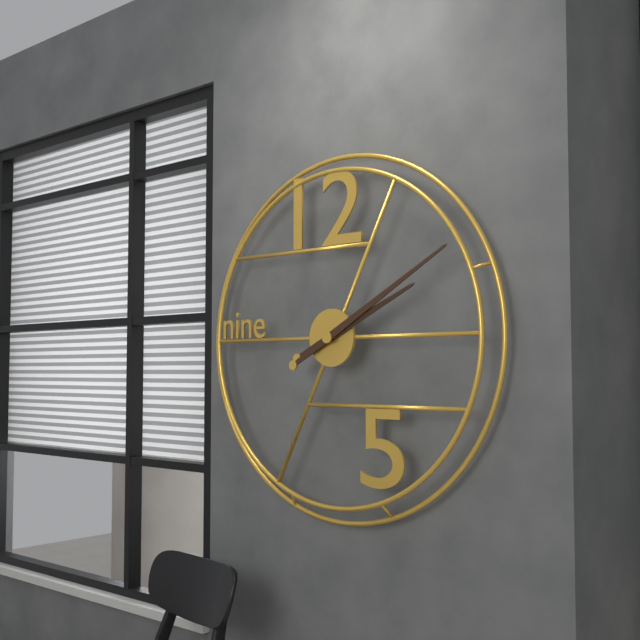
2:10
